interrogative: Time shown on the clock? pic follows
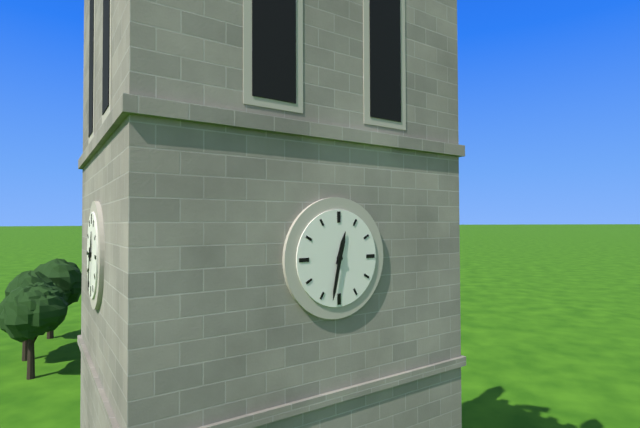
12:32
